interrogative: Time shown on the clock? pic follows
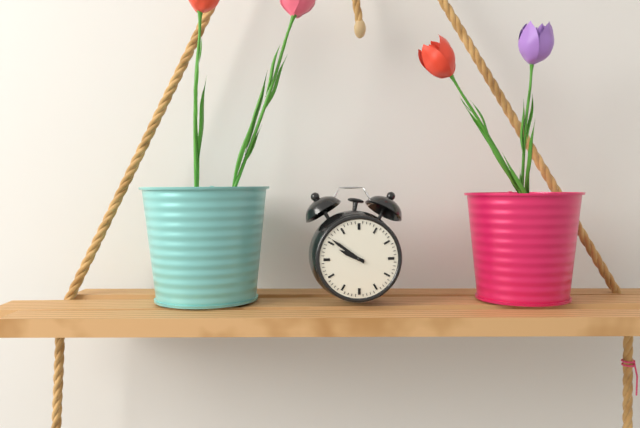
9:51
